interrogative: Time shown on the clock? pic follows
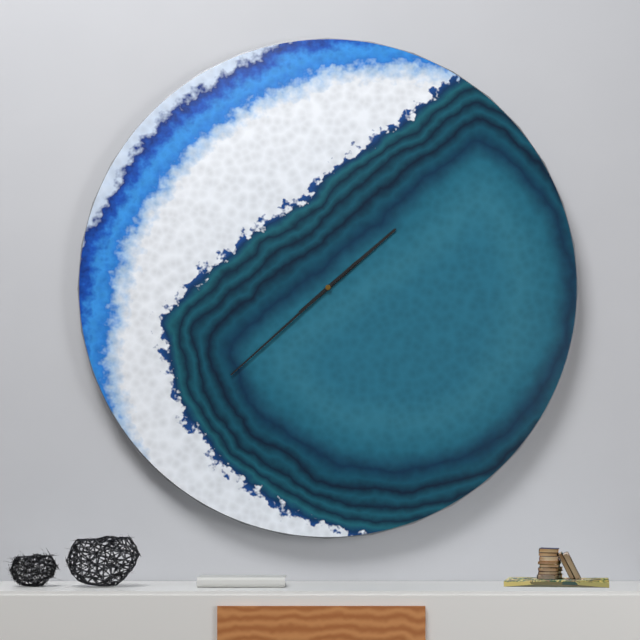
1:38
